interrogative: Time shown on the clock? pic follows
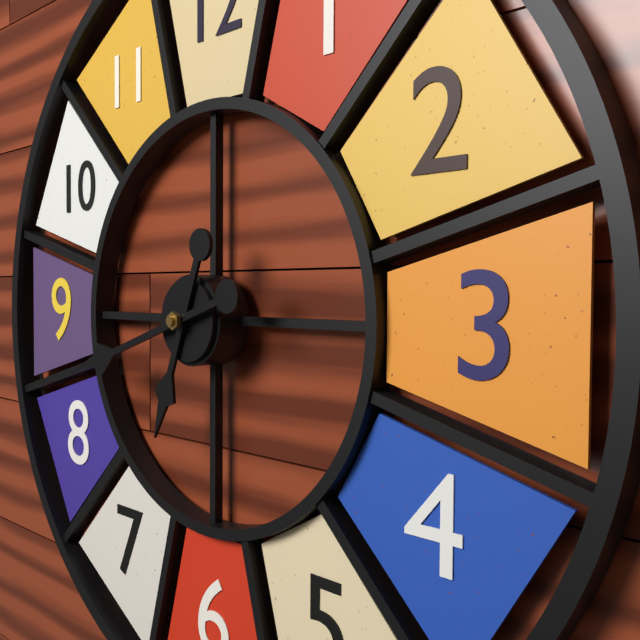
6:42
